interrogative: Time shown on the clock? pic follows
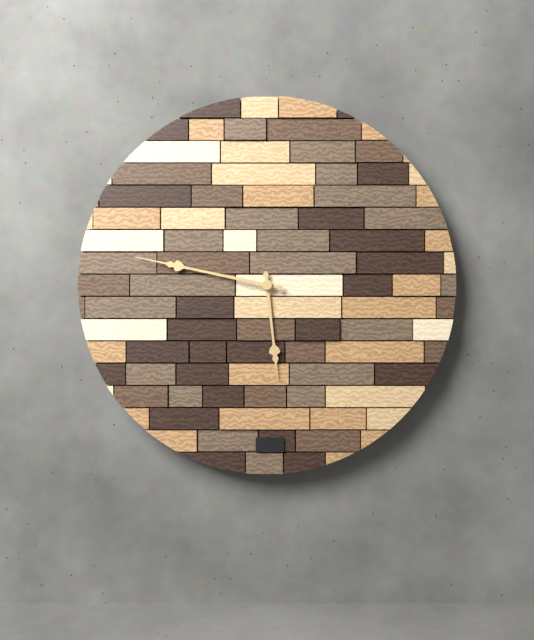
5:47
